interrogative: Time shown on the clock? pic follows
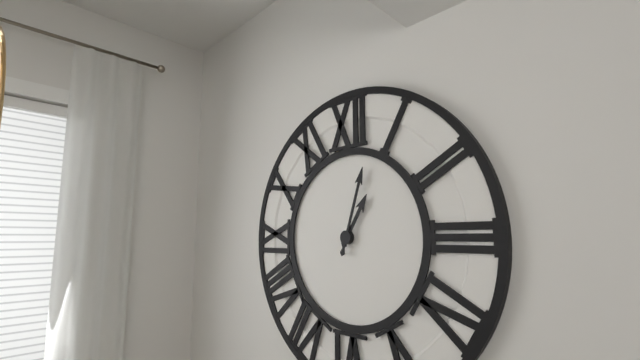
1:03
